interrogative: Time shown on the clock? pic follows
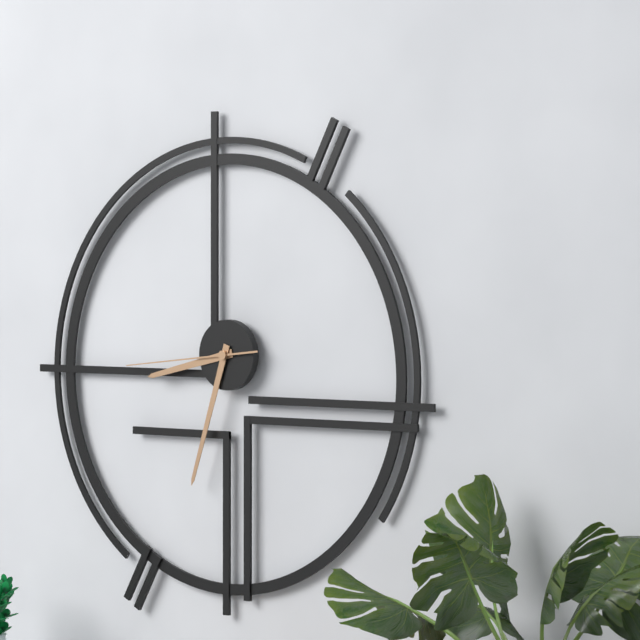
8:33:44
